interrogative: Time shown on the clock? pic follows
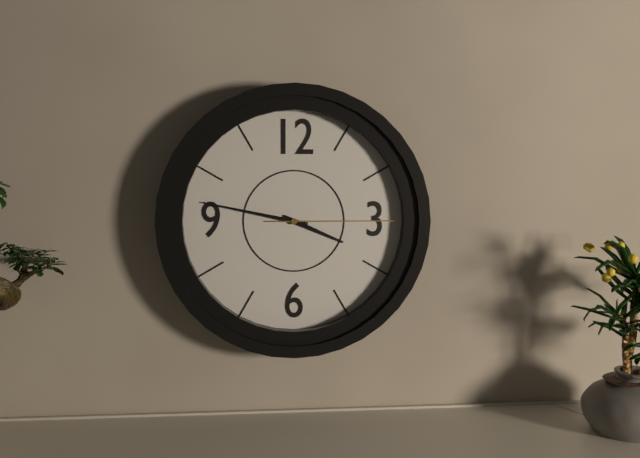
3:47:15
